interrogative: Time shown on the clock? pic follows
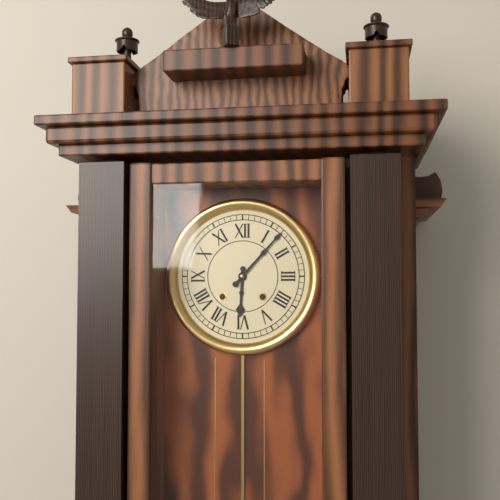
6:07
